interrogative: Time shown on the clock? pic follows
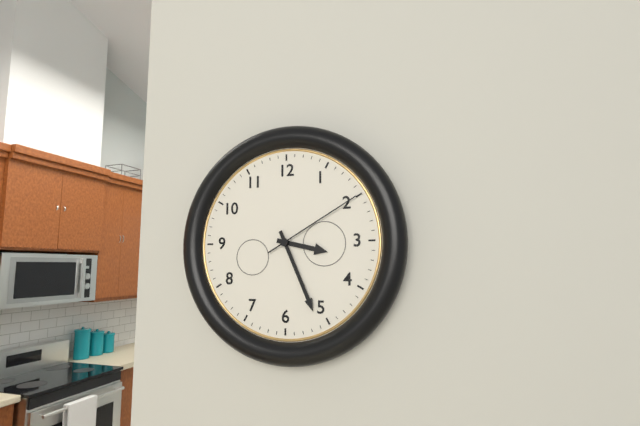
3:26:10
